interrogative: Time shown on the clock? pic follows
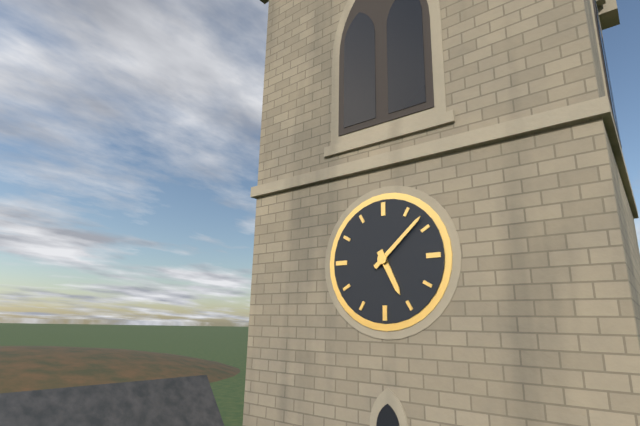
5:08
